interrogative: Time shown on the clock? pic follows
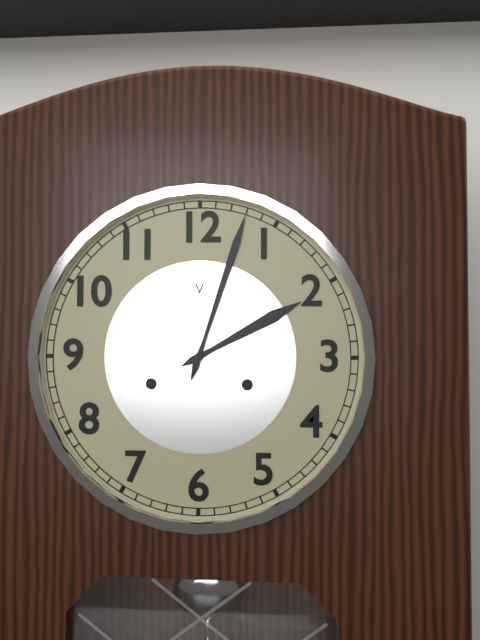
2:03
